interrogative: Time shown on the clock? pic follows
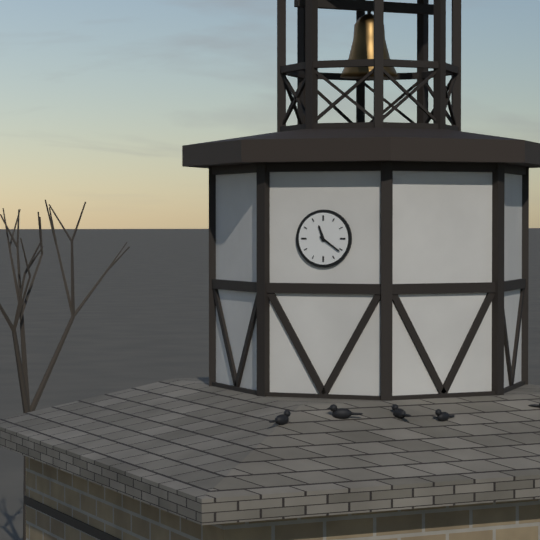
11:21
